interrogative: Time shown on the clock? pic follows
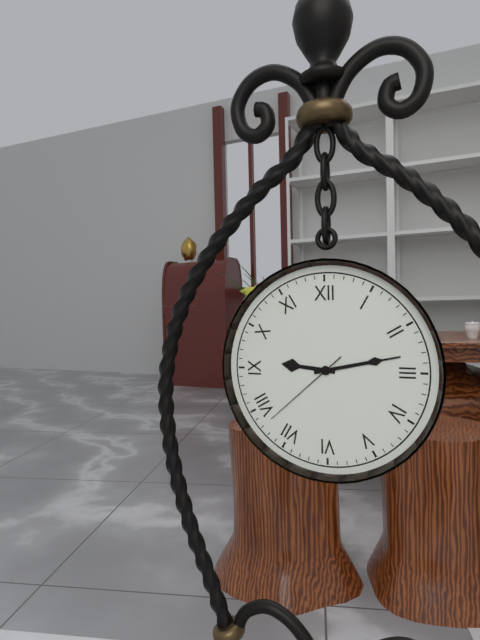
9:13:38
